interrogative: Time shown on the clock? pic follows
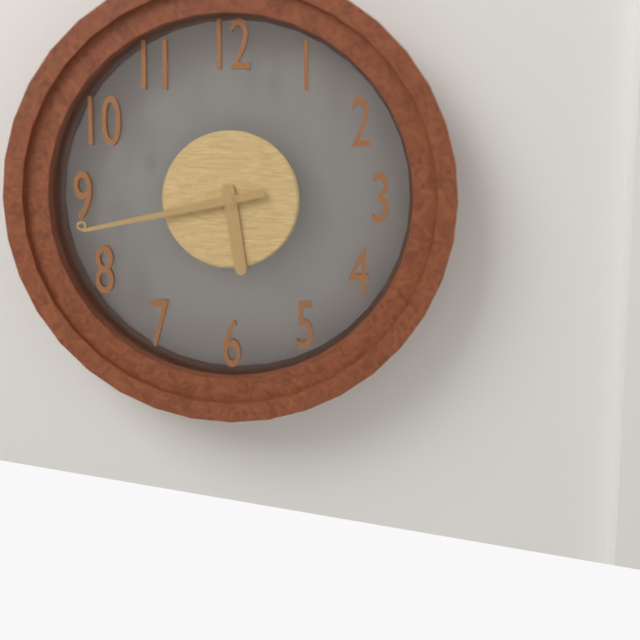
5:43
